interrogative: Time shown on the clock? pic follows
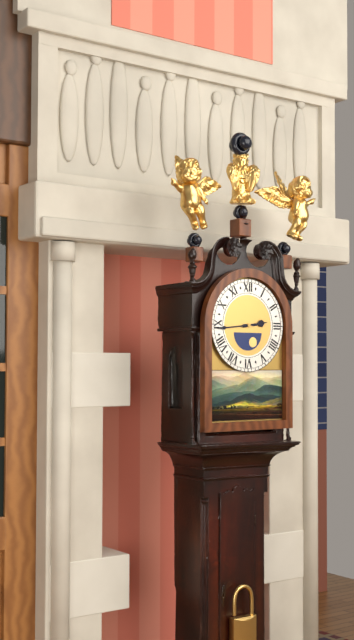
2:44
